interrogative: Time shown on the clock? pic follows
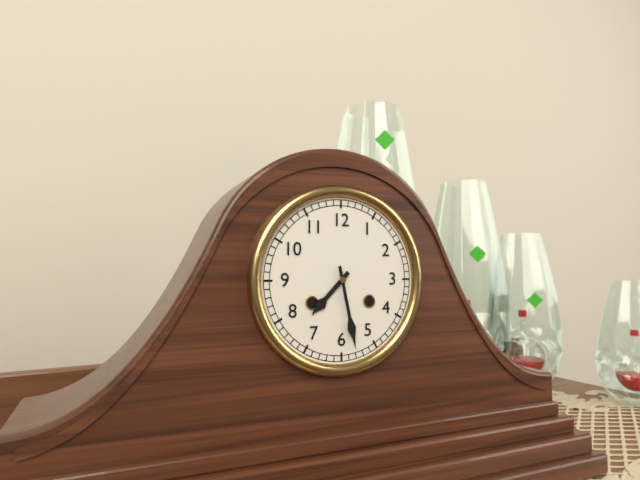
7:28
